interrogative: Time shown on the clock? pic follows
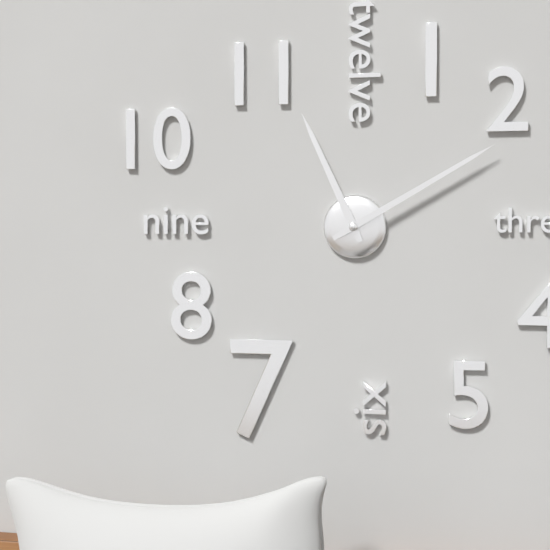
11:10
